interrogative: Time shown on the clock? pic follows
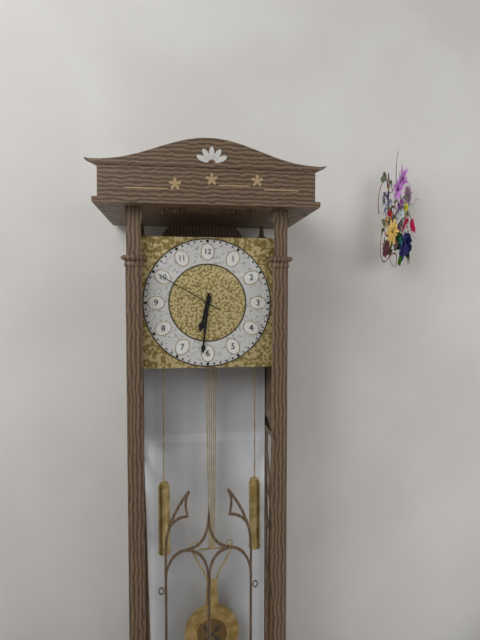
6:31:50
